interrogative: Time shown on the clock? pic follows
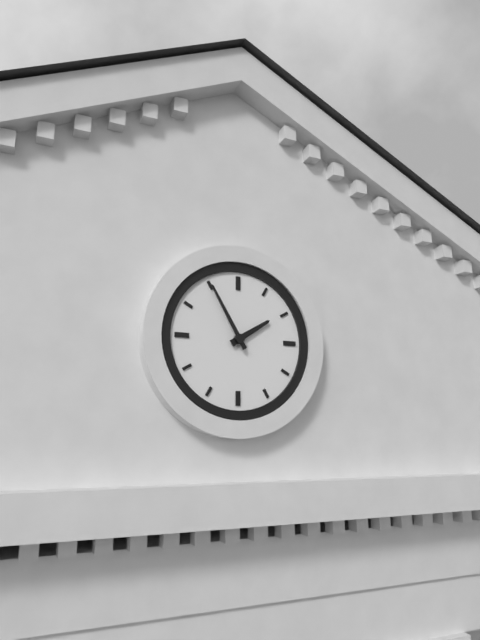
1:55
